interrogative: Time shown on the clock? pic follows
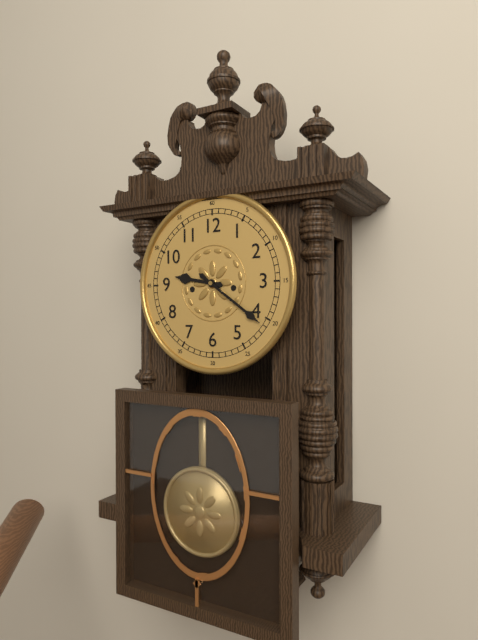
9:21
